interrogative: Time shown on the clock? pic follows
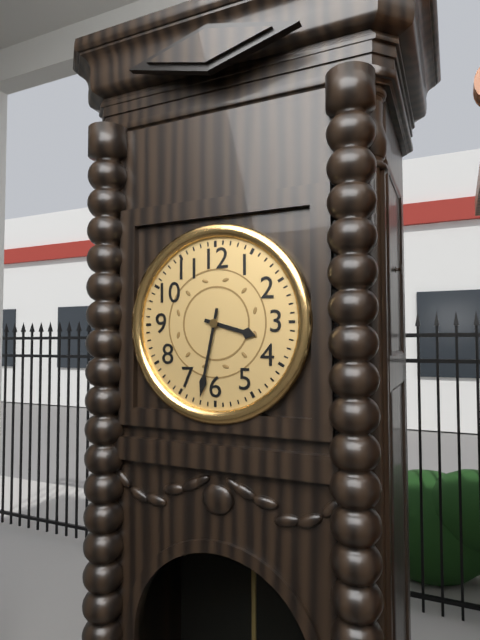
3:32
